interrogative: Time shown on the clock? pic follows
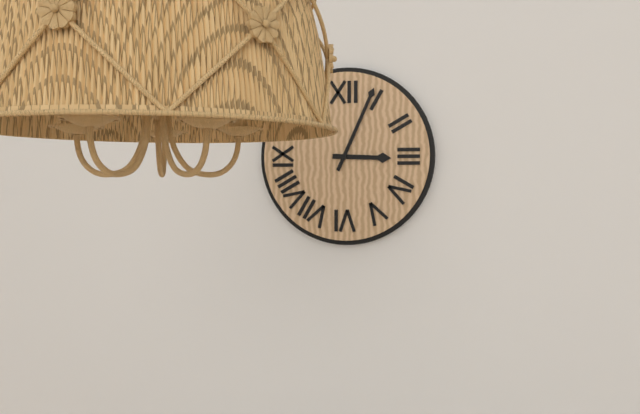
3:04
